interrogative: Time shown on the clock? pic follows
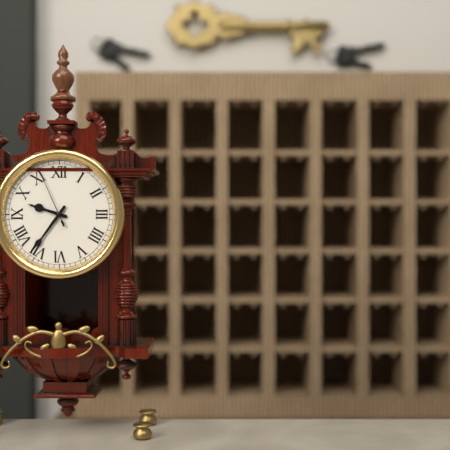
9:36:56
